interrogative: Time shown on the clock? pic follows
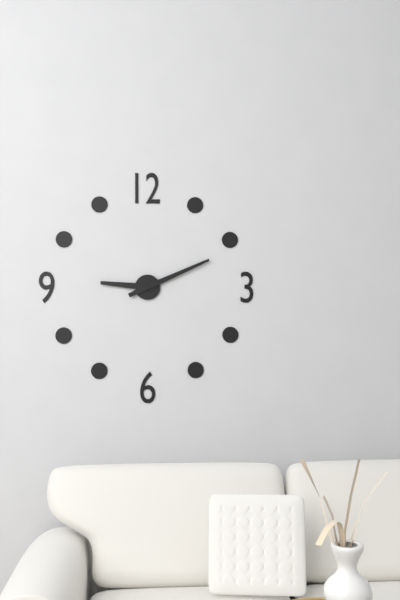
9:11
